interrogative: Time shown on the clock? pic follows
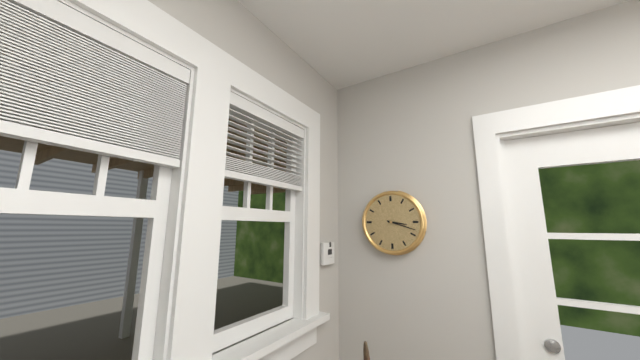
3:18
